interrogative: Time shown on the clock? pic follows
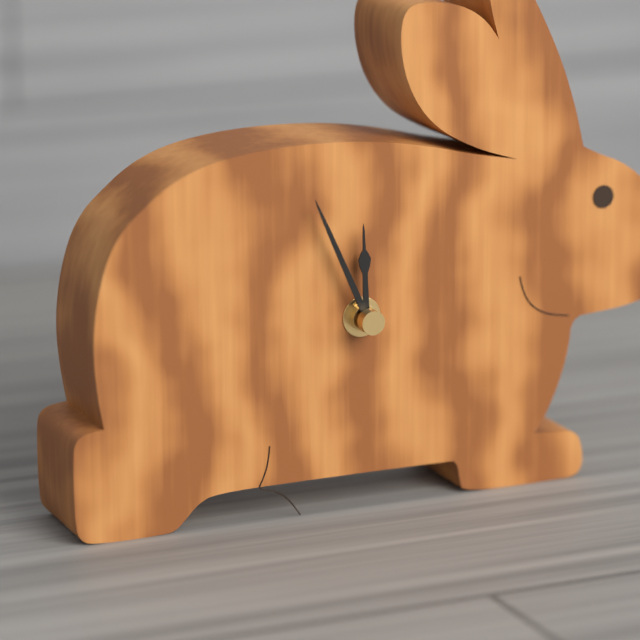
11:56
